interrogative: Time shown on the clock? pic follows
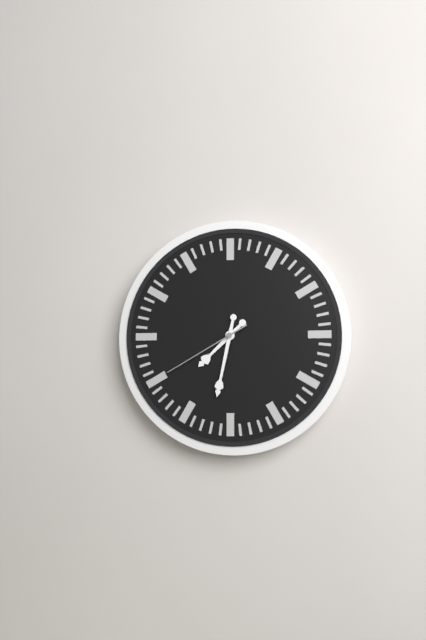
7:32:40
